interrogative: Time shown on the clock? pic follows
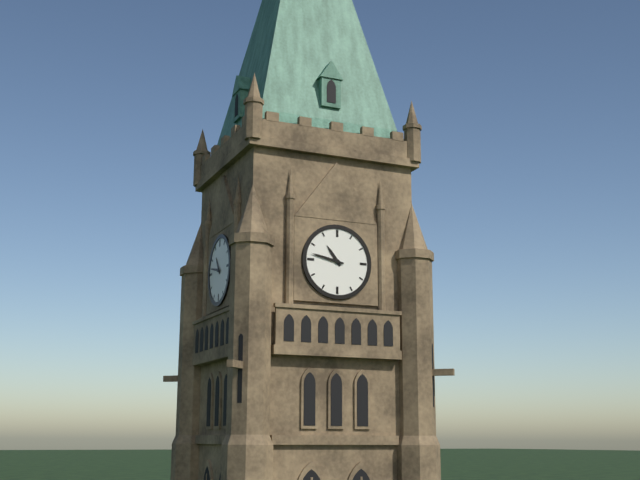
10:47
